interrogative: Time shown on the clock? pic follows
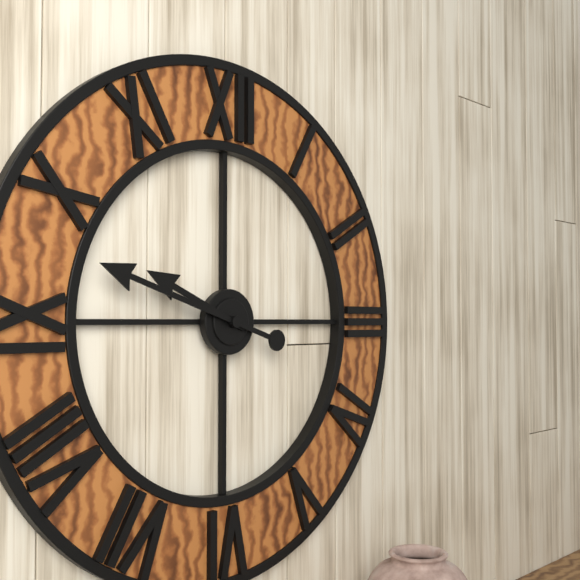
9:48
